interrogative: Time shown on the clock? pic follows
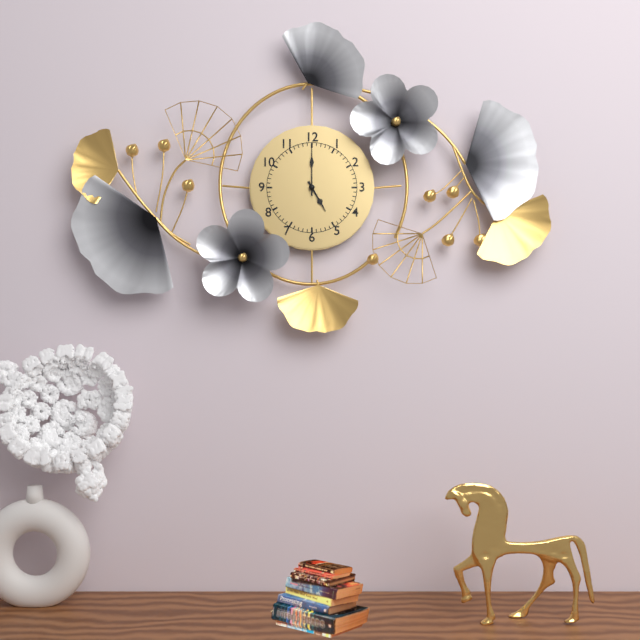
5:00
